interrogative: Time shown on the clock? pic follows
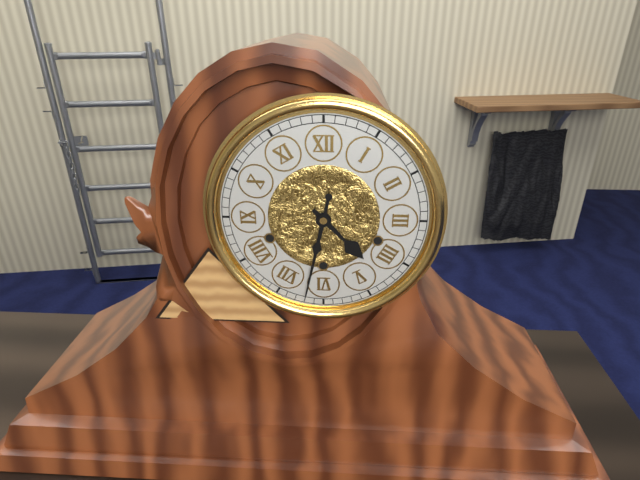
4:32
